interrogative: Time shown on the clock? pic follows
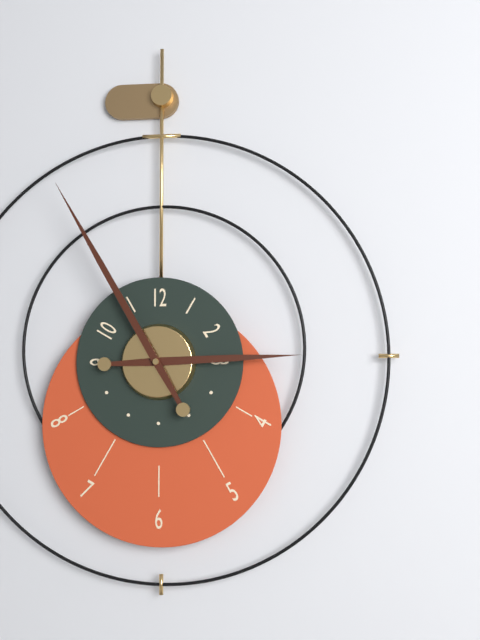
2:55
